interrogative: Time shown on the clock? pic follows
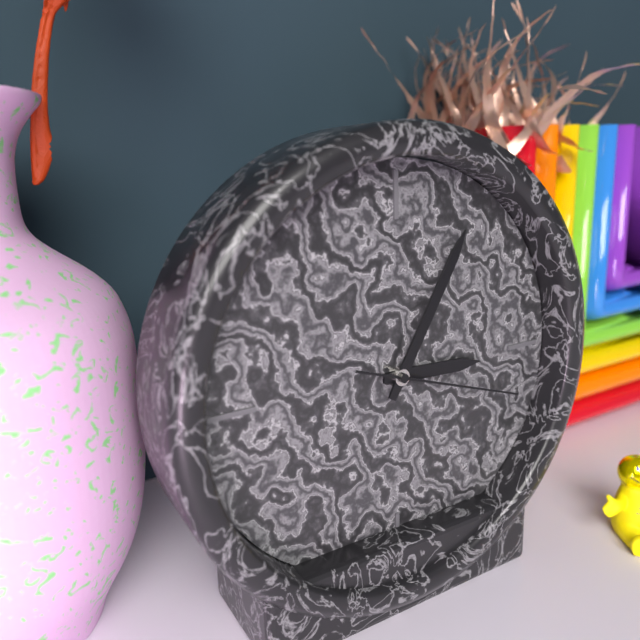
3:05:18
